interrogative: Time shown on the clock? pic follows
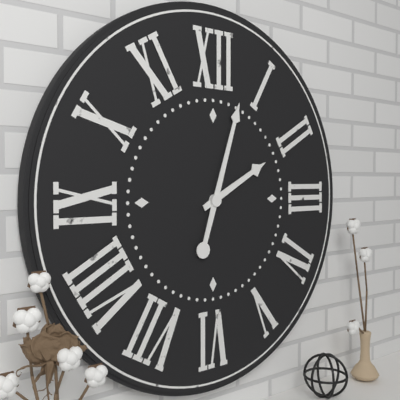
2:03
